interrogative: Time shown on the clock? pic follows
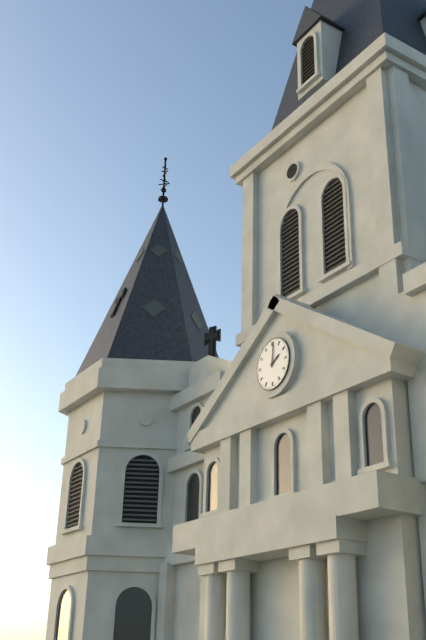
2:01
